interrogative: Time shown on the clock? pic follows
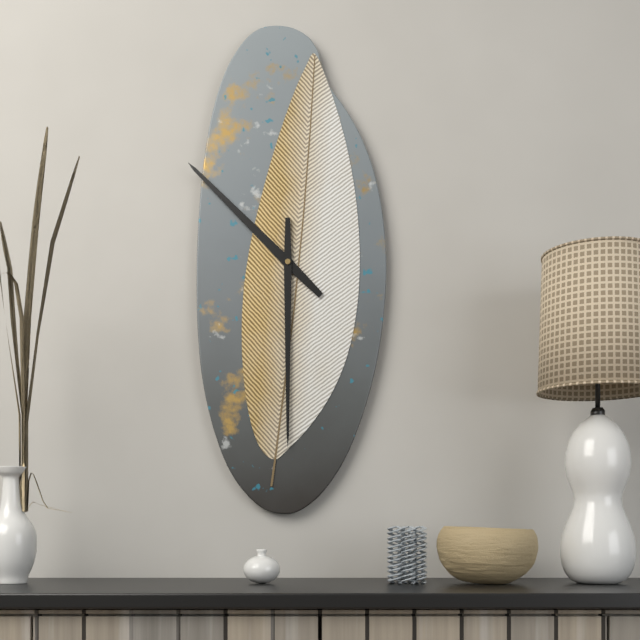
10:30
